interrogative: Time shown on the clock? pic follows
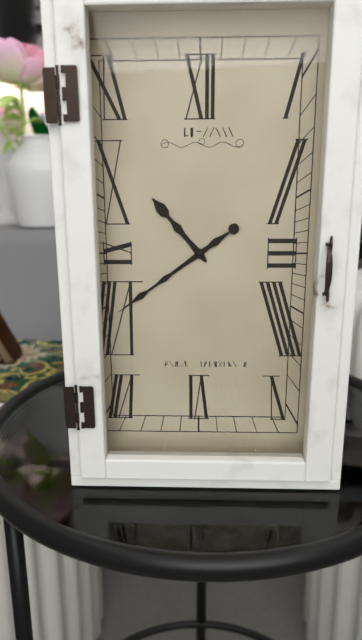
10:39
